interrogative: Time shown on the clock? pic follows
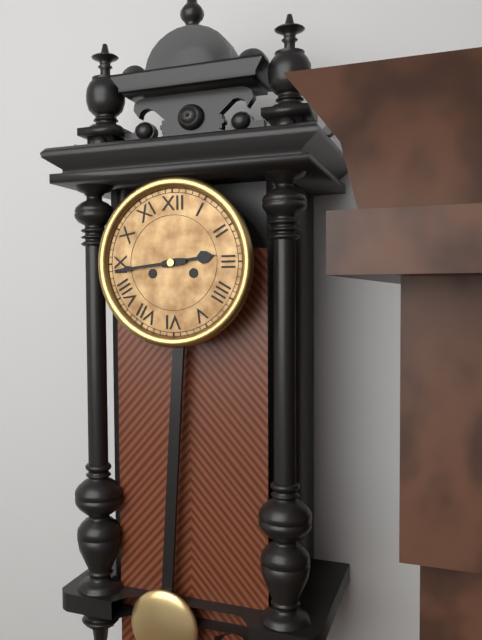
2:44
